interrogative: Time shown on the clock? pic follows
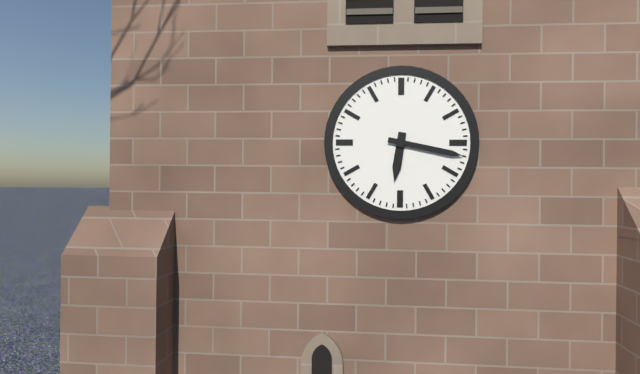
6:17
